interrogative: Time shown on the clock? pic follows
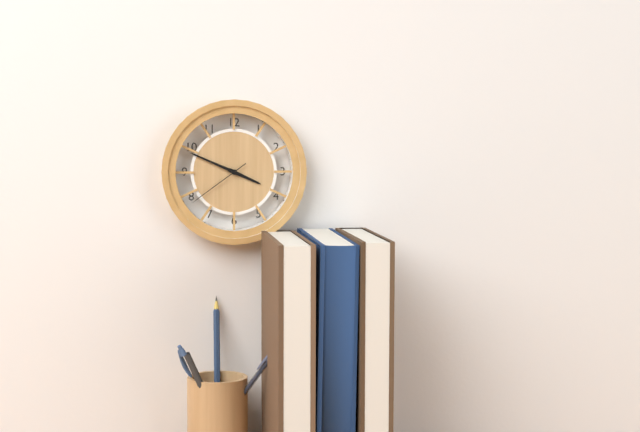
3:49:39
